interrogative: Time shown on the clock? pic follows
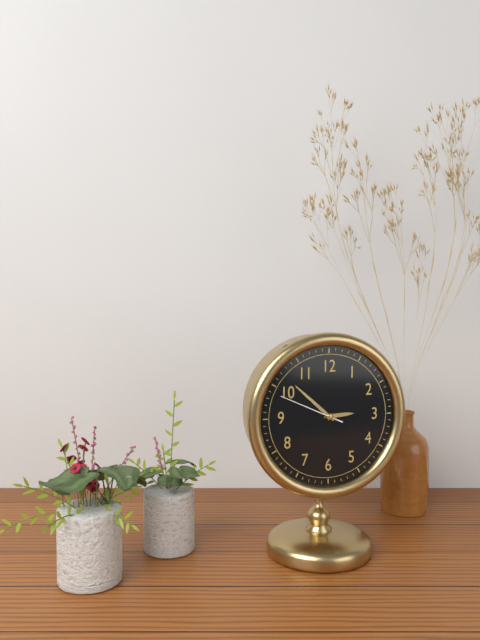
2:52:49
